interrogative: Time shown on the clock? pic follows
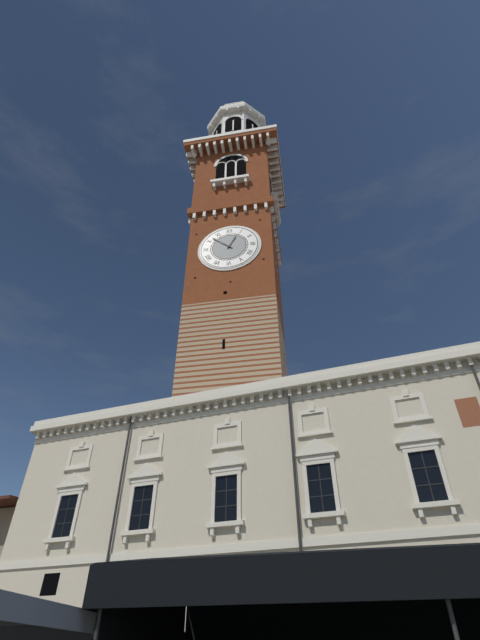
12:52
